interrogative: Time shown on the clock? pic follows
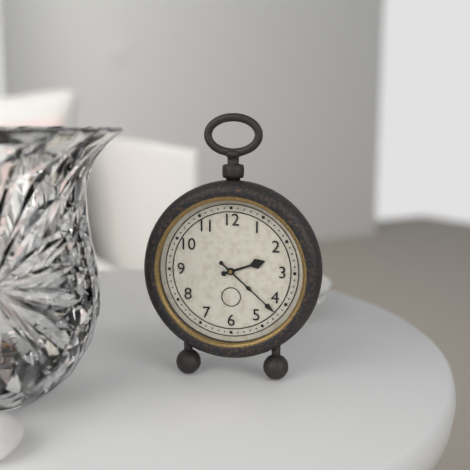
2:22
